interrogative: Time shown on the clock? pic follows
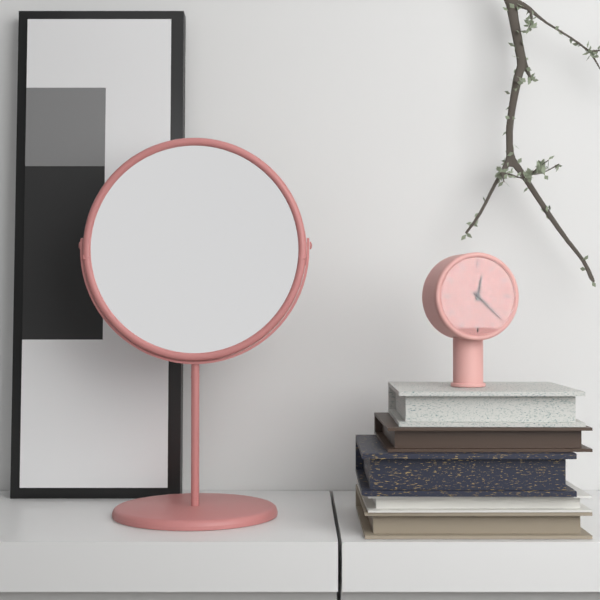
12:22
